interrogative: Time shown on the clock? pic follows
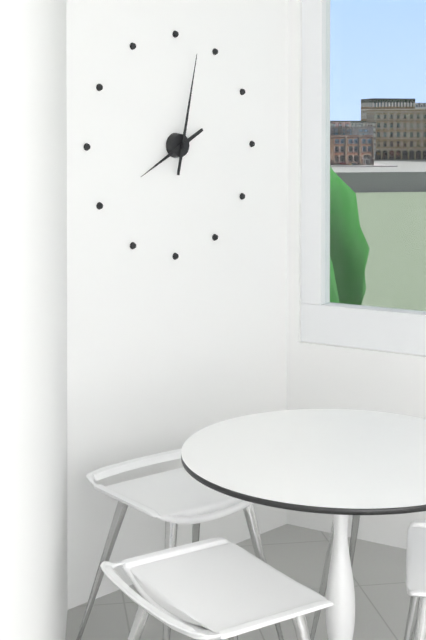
8:02
